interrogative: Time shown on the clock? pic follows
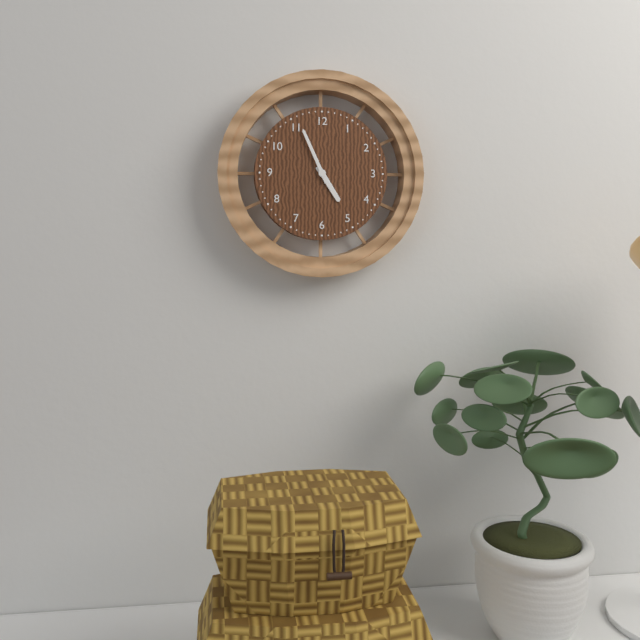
4:56
